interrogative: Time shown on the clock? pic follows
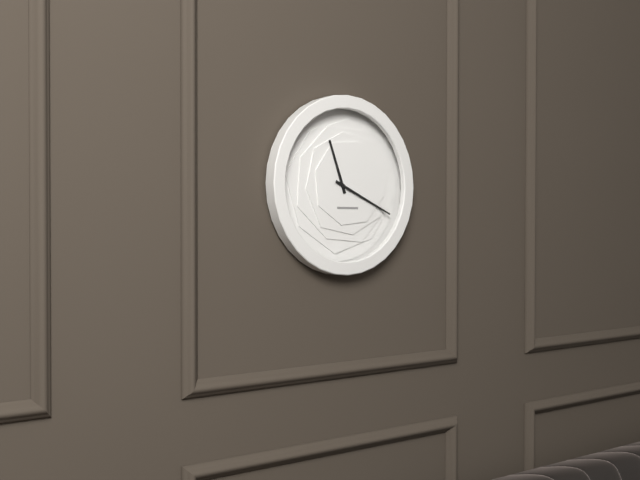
11:19
